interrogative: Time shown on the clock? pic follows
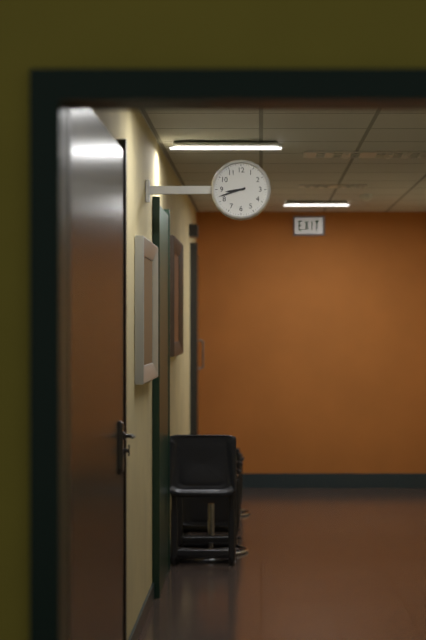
8:42
